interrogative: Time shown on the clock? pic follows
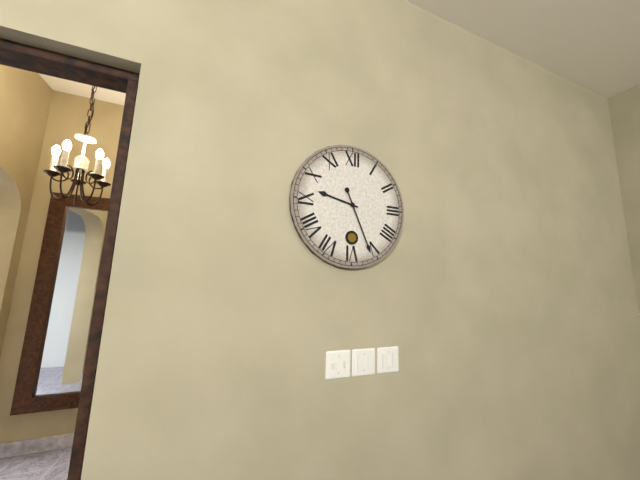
9:26
